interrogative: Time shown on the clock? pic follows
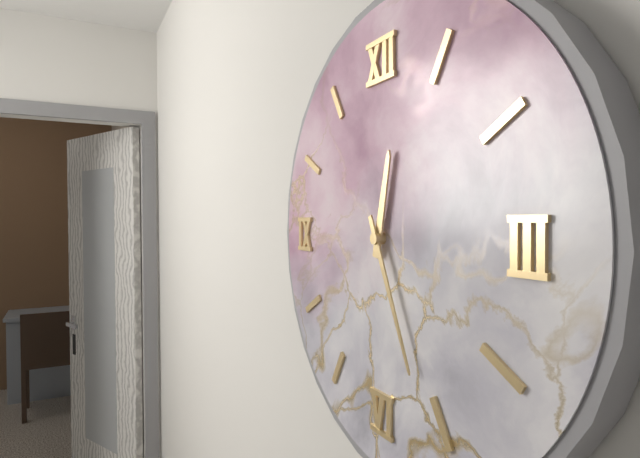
12:26
